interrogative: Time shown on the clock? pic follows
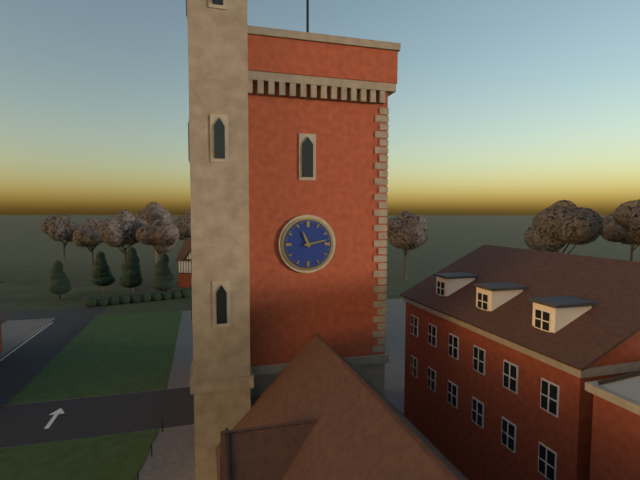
11:13
